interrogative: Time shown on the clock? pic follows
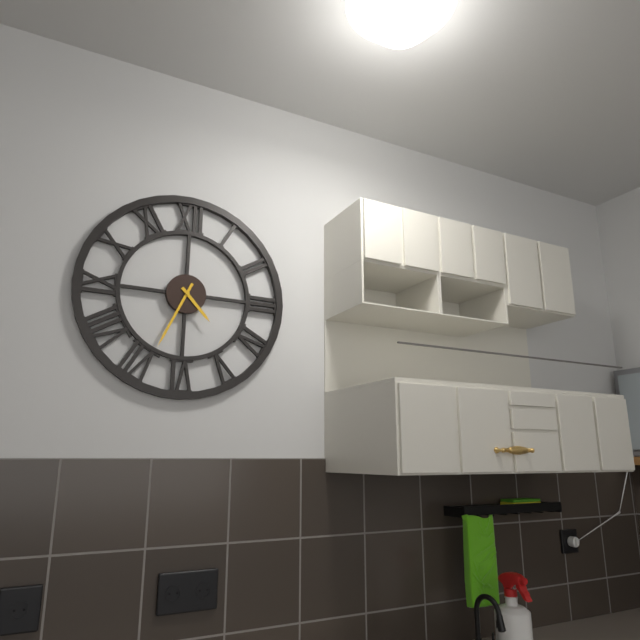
4:34
